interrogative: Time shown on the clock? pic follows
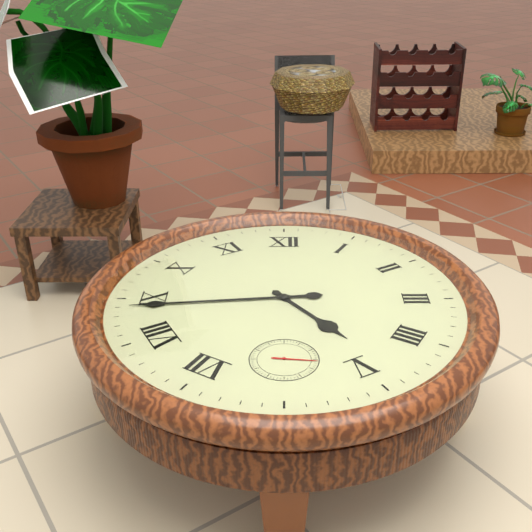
4:44
